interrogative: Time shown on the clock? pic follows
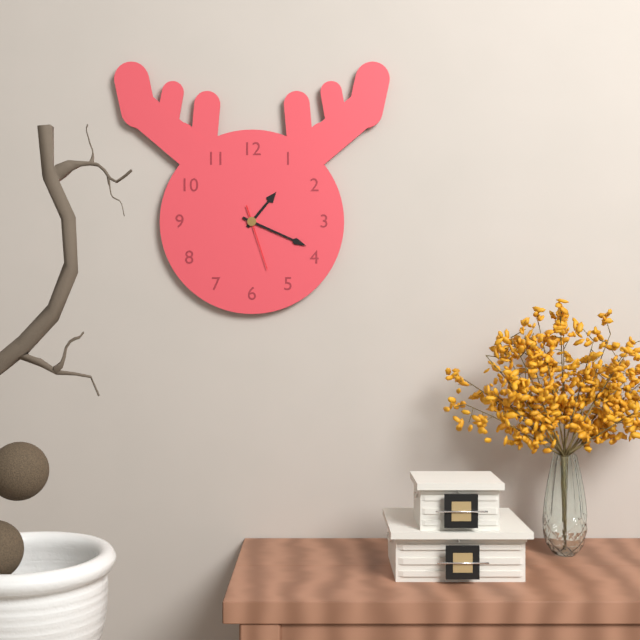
1:19:27
